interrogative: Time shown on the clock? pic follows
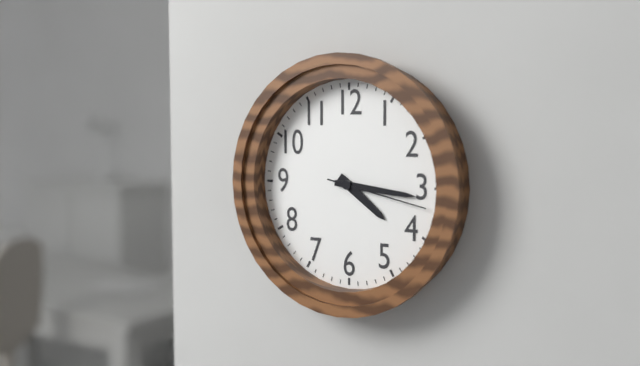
4:16:17
